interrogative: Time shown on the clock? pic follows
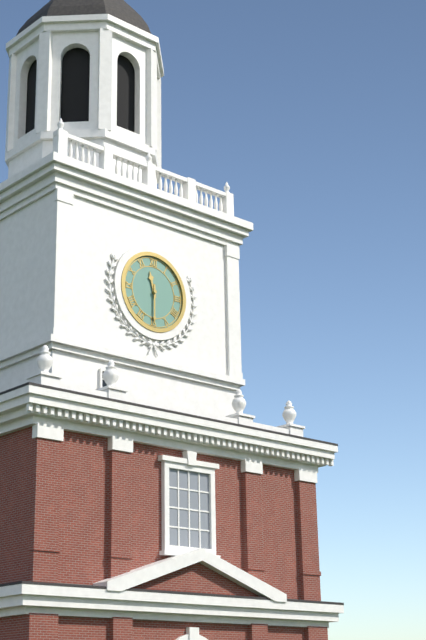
11:30
